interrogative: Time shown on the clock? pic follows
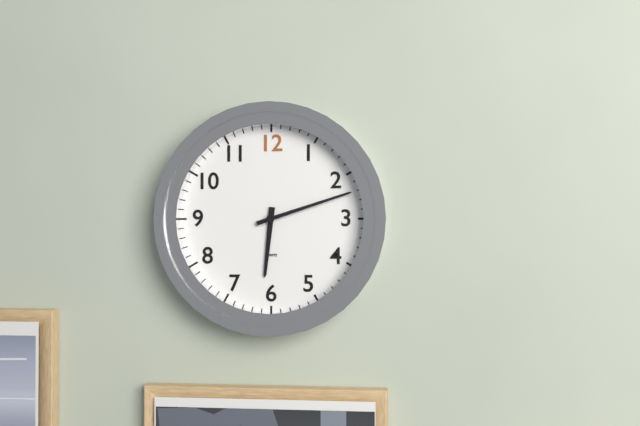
6:12
